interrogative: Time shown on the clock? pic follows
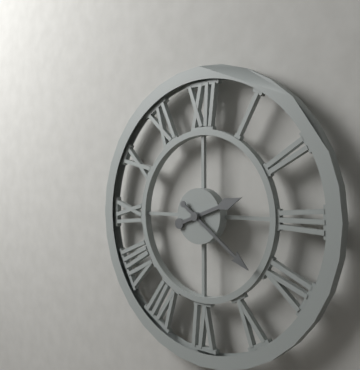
2:21
